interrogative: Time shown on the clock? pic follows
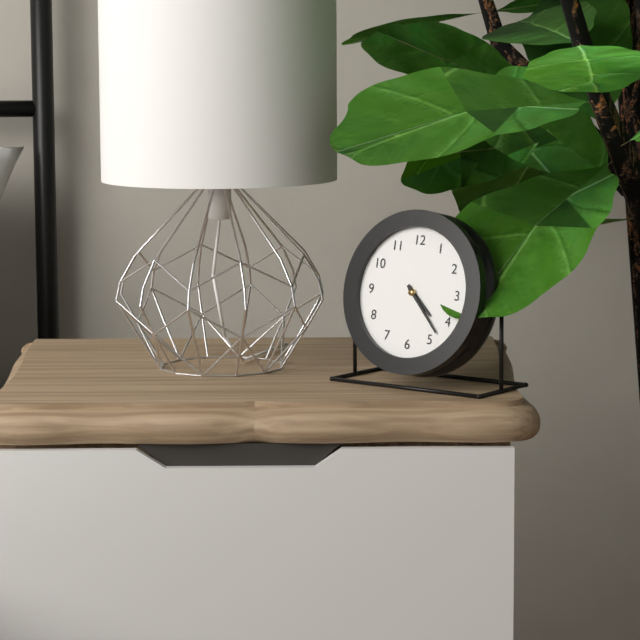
4:23
